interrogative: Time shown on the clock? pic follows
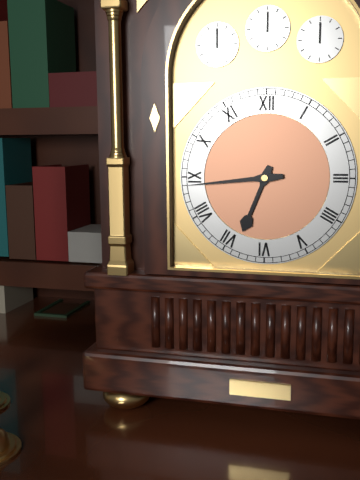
6:44
